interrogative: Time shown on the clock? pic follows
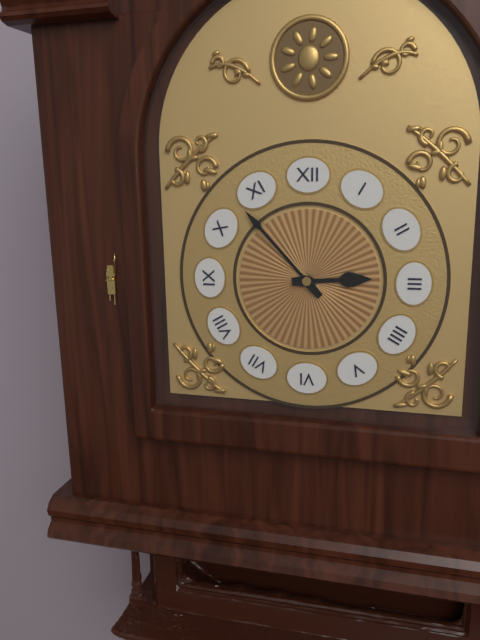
2:53
